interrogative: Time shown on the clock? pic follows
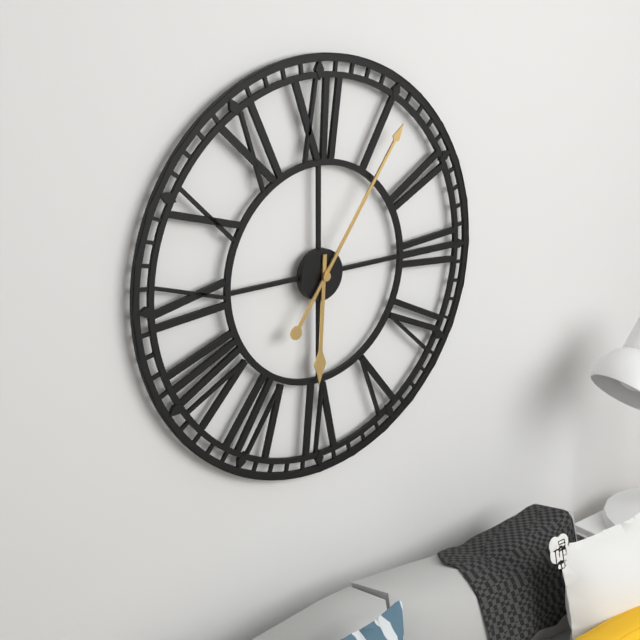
6:06
